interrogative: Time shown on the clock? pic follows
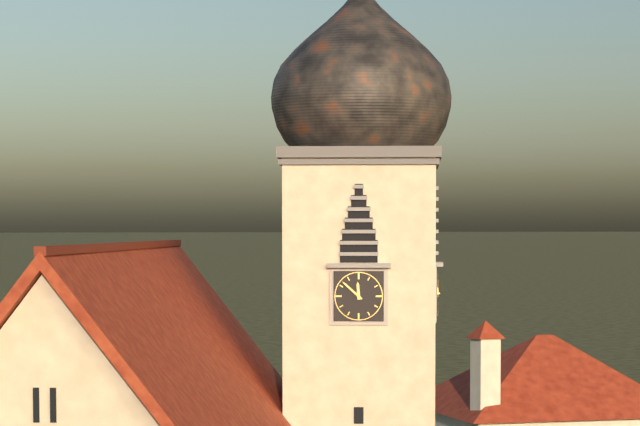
11:52
